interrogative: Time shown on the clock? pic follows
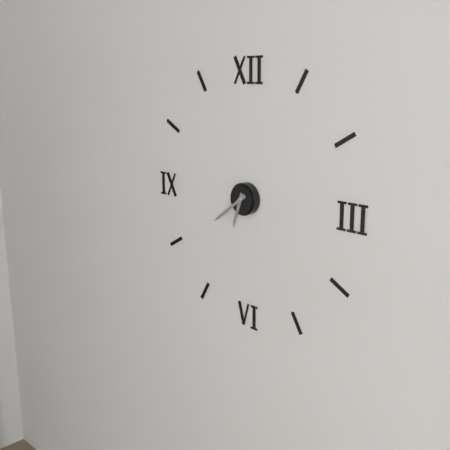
6:39
